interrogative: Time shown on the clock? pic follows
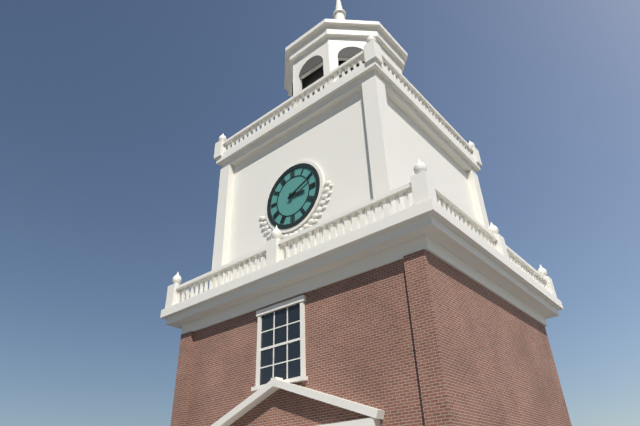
3:11
